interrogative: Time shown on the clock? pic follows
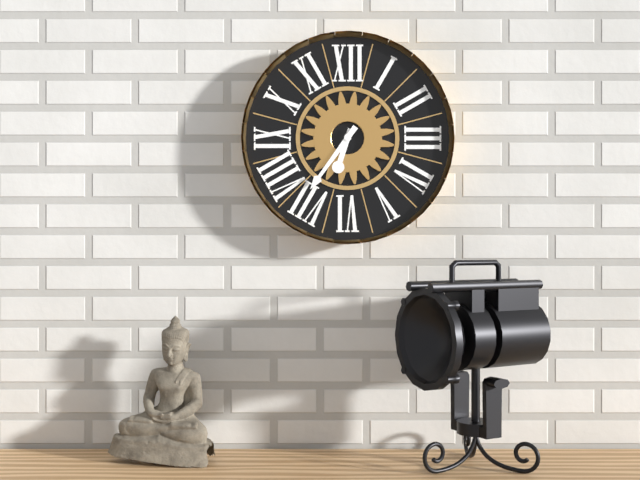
6:36
